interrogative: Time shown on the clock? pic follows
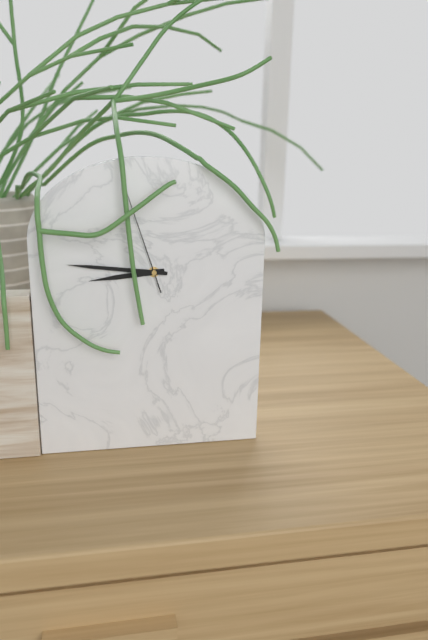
8:46:57
